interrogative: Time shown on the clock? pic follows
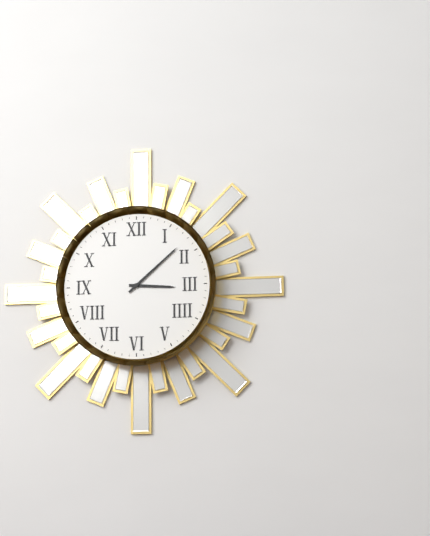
3:08
